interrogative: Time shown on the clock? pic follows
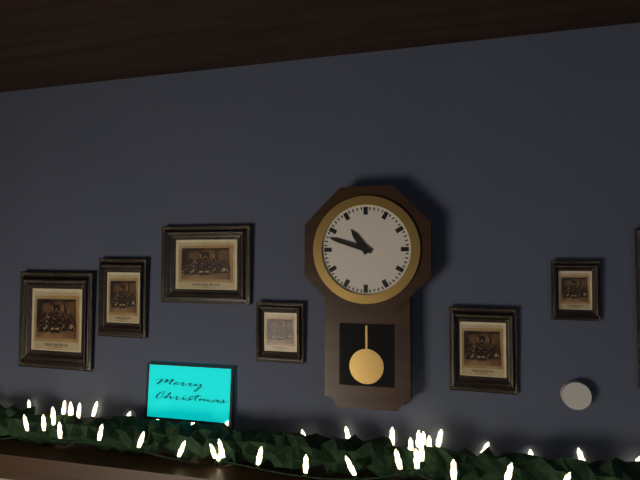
10:48
